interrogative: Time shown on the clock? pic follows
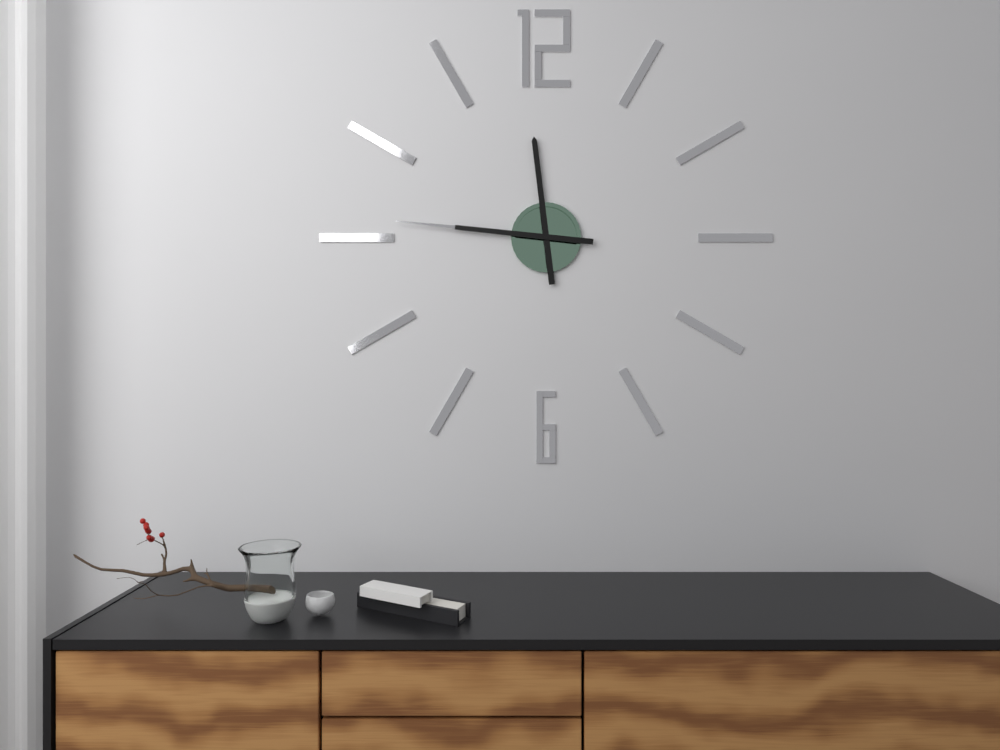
11:46
